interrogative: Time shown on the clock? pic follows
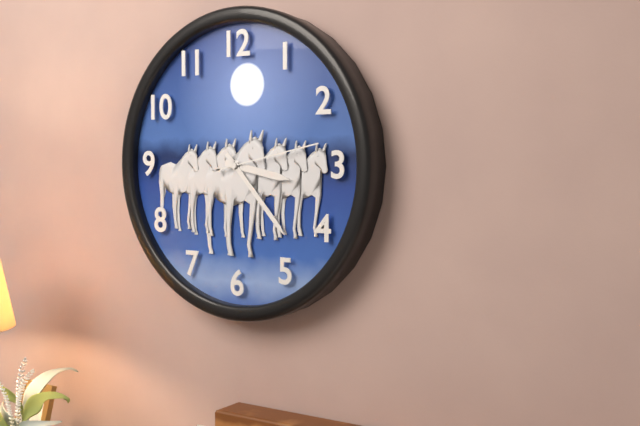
3:23:13
